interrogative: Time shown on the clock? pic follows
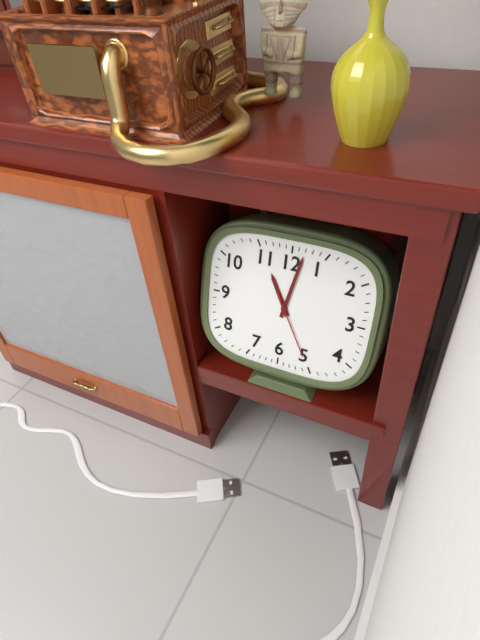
11:02:25
